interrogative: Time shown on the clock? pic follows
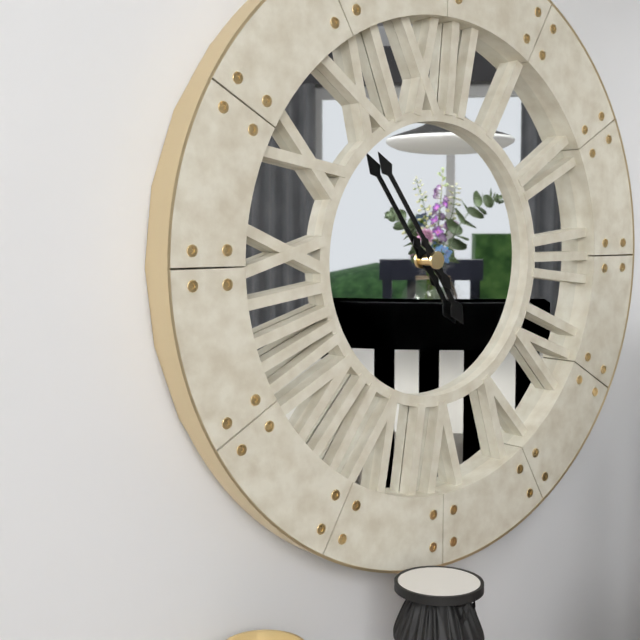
4:54
